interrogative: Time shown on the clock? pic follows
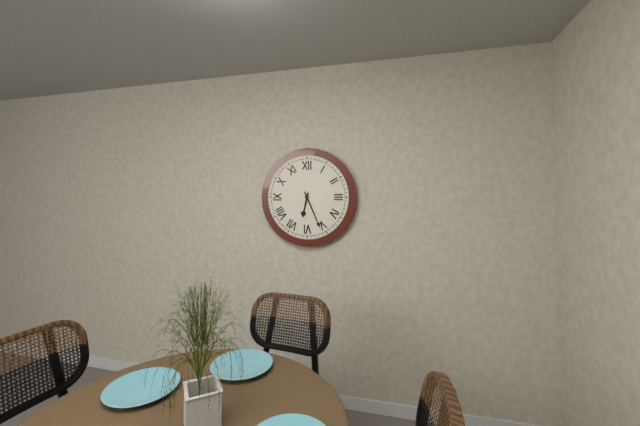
6:26
